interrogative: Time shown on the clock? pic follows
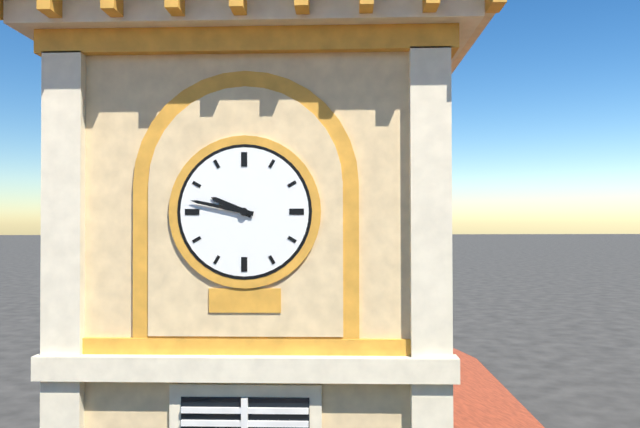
9:47
